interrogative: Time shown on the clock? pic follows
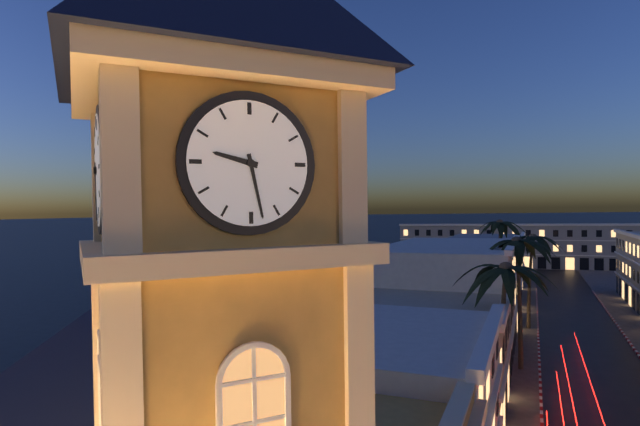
9:28
